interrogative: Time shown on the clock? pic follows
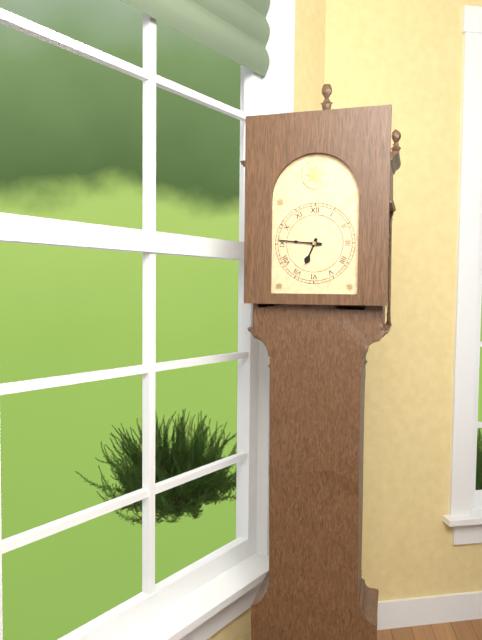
6:46
